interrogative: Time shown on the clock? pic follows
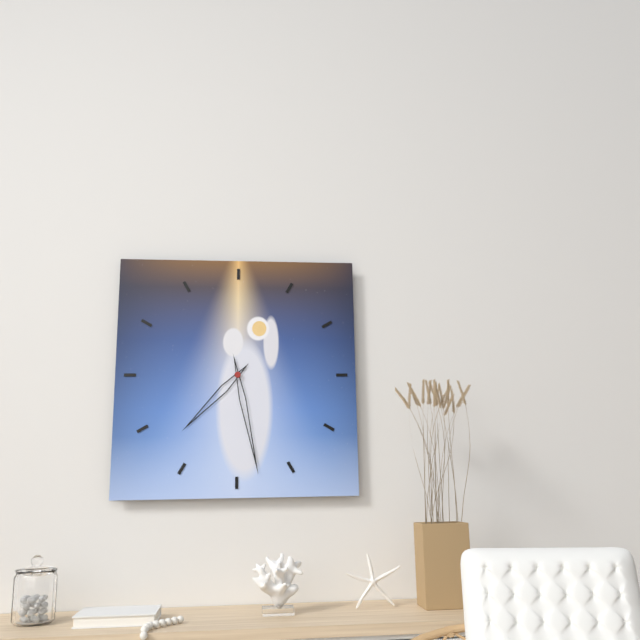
7:28
